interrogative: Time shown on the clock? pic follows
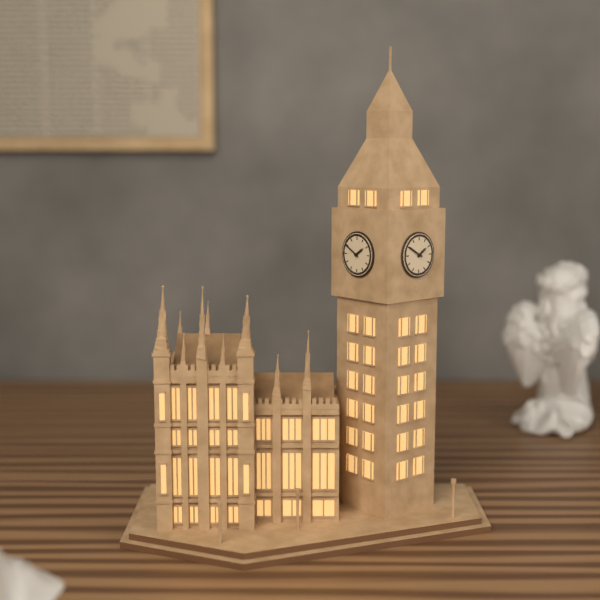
1:50
